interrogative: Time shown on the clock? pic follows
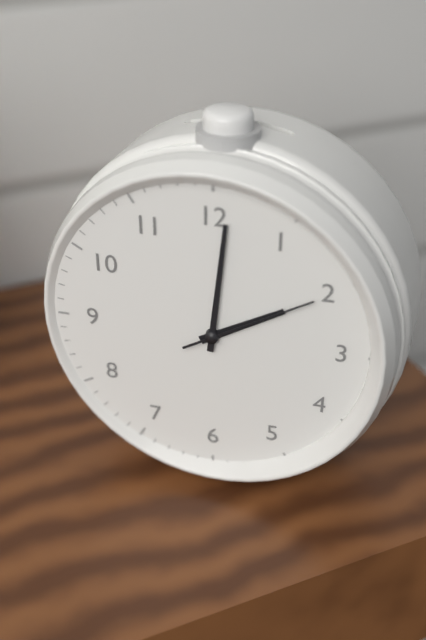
2:01:10
